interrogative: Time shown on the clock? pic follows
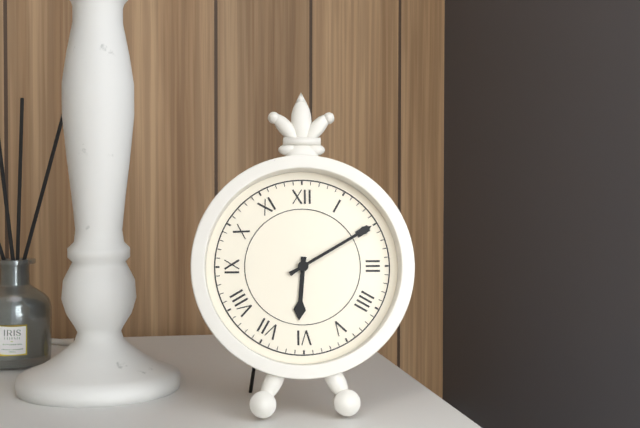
6:10
